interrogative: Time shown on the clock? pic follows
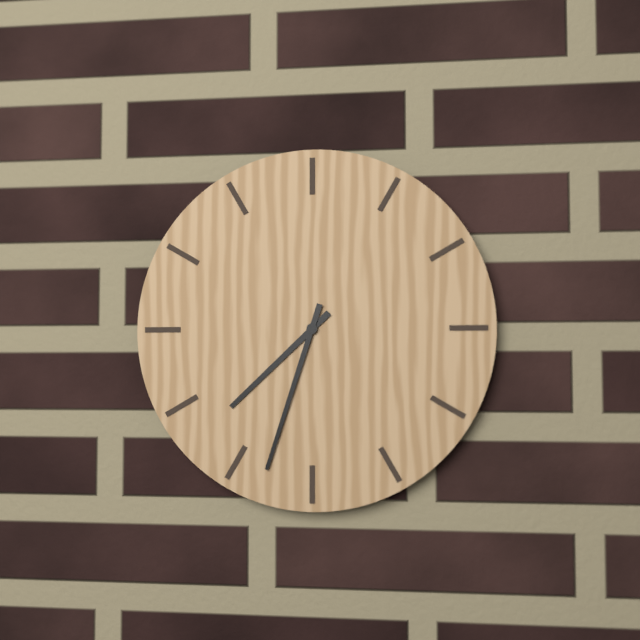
7:33
